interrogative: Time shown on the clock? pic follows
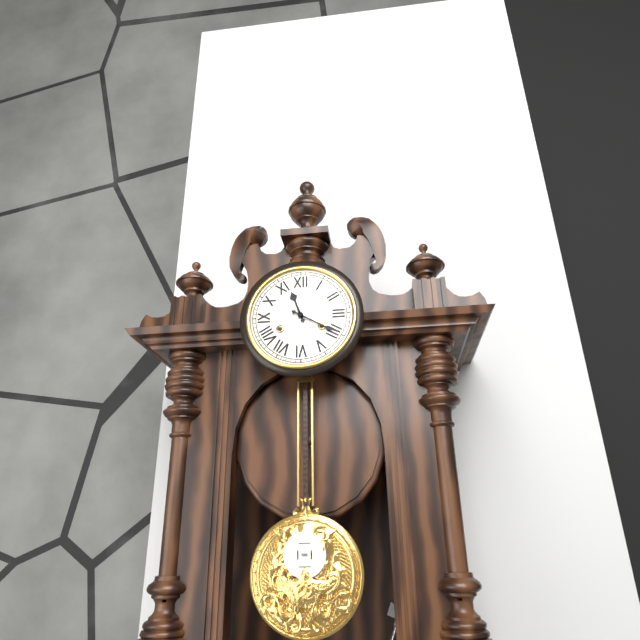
11:20
